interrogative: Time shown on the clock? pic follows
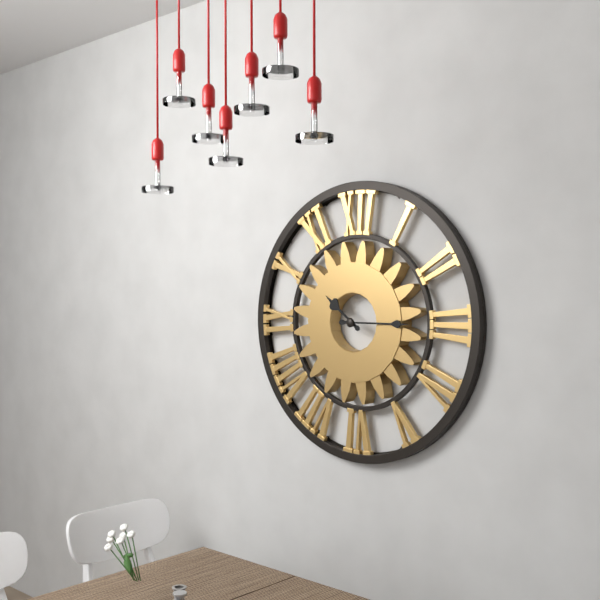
10:15
